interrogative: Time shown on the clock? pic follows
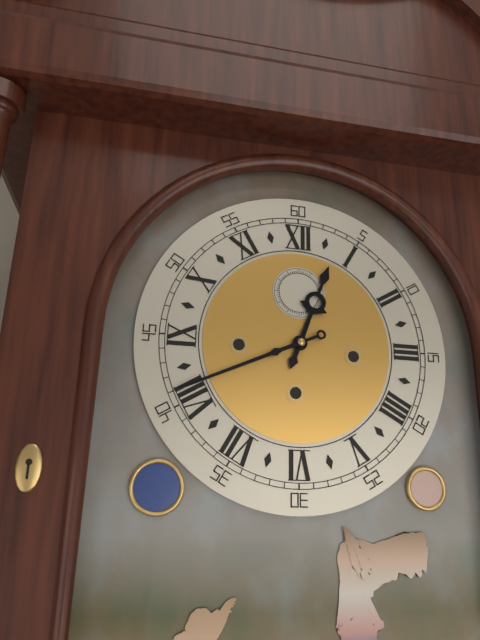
12:41
